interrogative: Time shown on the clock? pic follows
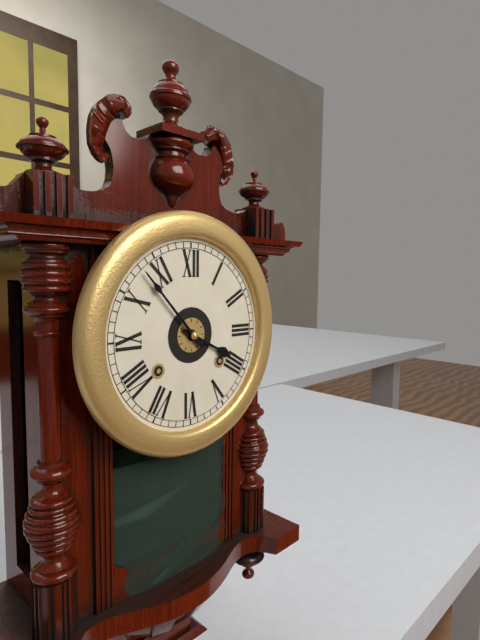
3:53
